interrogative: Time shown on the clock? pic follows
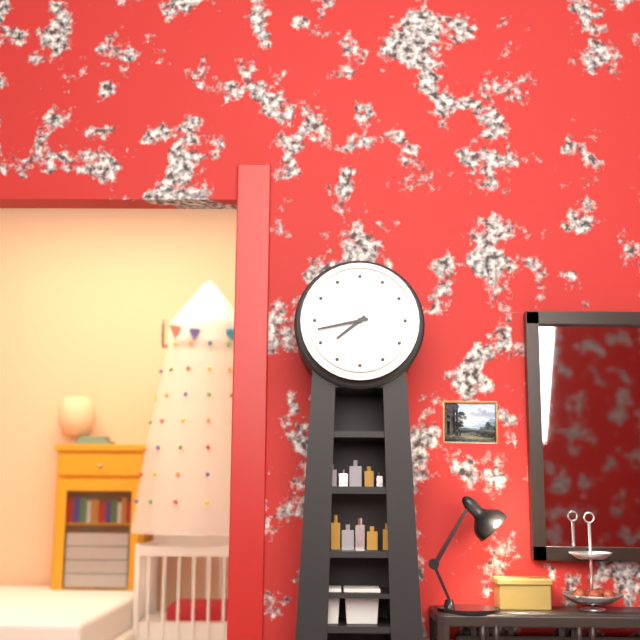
7:43
